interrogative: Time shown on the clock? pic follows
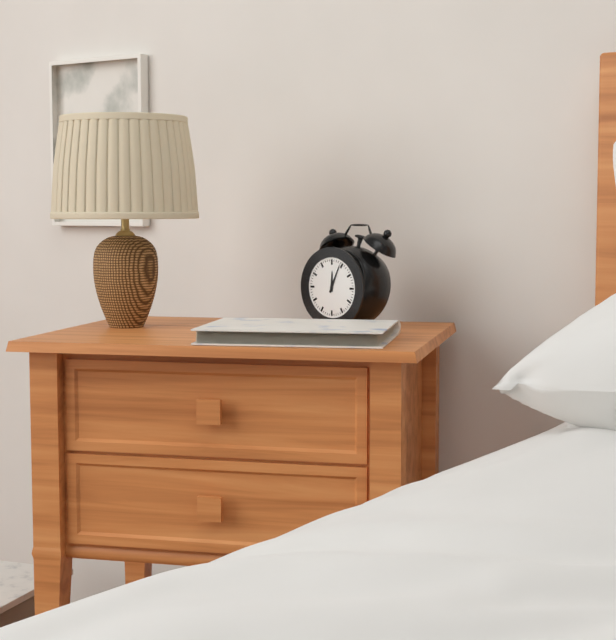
12:04
